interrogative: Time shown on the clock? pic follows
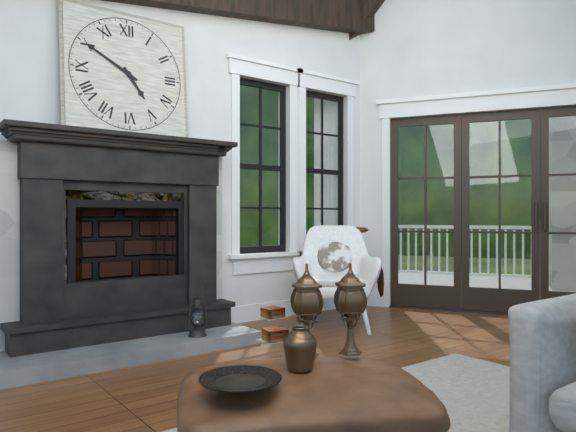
4:50
